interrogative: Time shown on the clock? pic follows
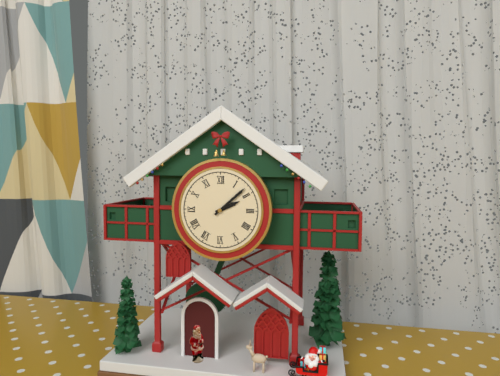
2:08
